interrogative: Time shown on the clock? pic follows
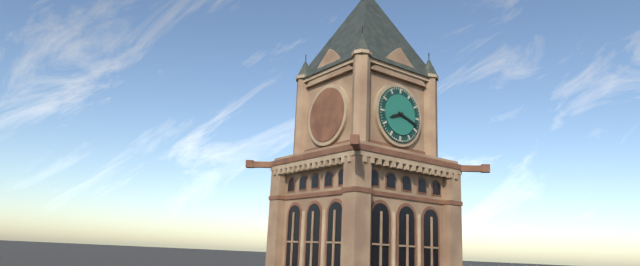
8:18
